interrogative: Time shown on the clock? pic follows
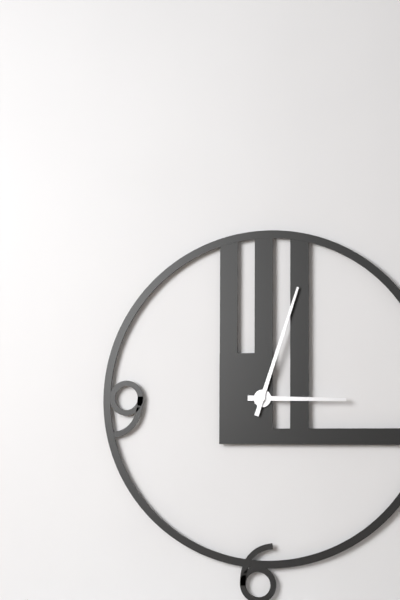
3:03
